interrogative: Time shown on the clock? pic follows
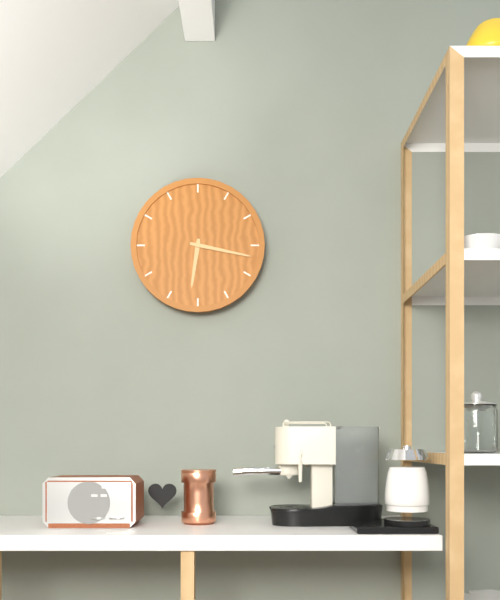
6:17
